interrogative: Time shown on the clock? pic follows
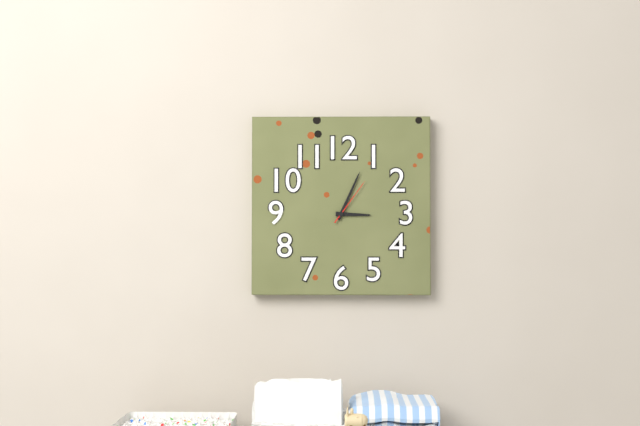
3:04:06
